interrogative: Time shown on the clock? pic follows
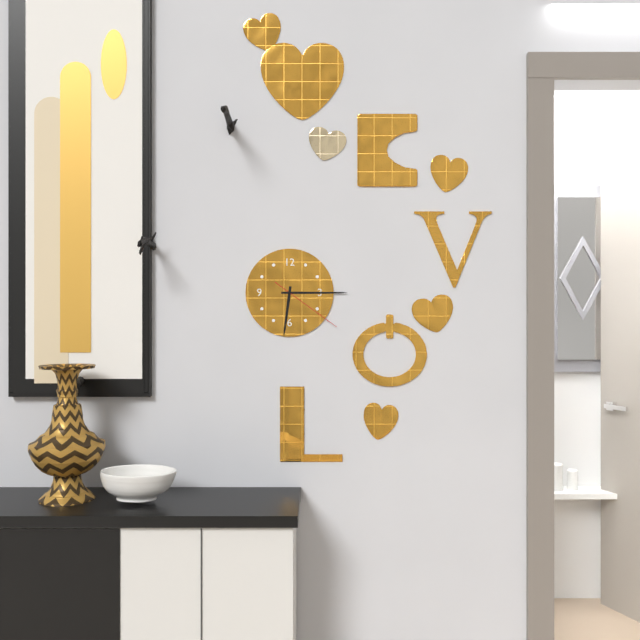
6:15:21
